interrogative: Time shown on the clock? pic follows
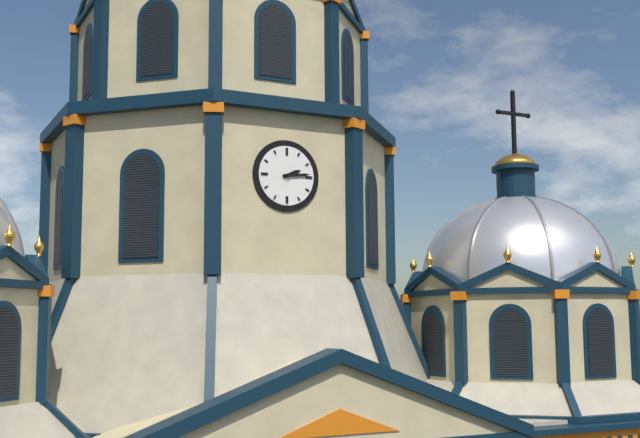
2:14
